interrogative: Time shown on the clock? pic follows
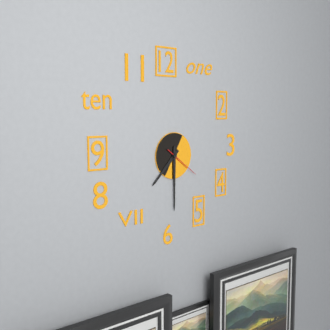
7:30
